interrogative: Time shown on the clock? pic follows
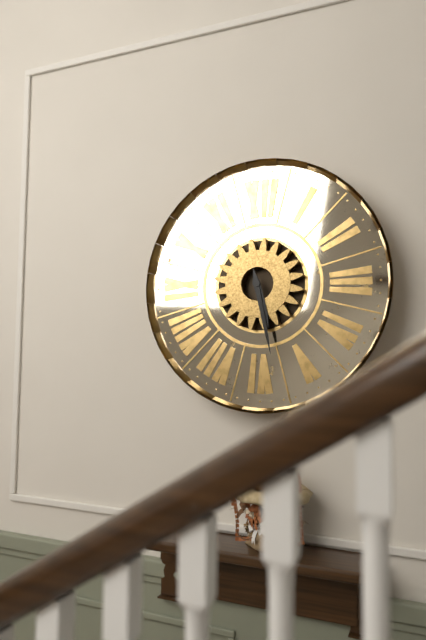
5:28
